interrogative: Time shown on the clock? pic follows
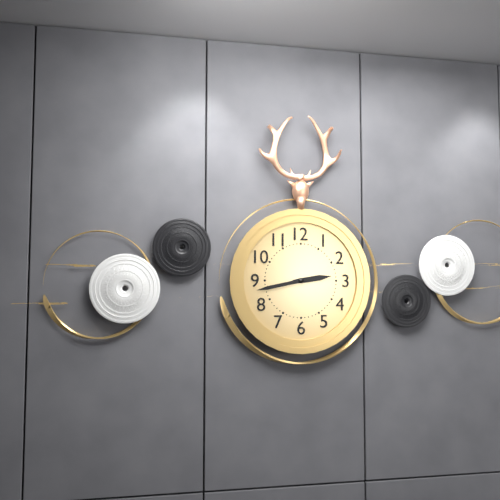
2:43
